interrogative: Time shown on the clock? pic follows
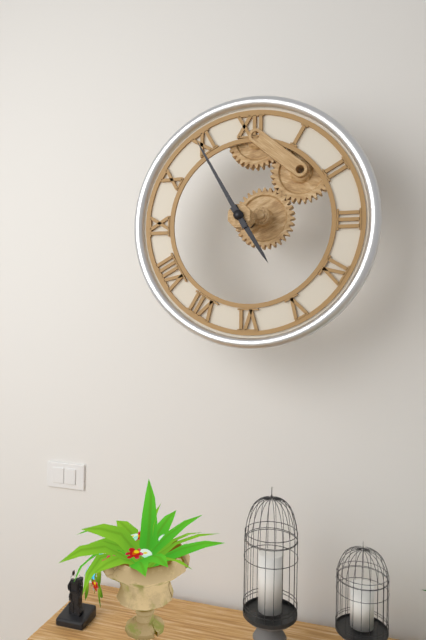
4:55
